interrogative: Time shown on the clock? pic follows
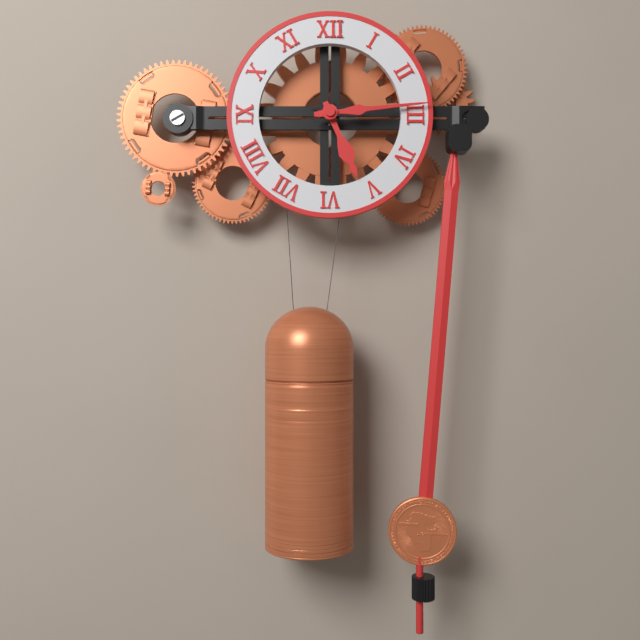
5:14
